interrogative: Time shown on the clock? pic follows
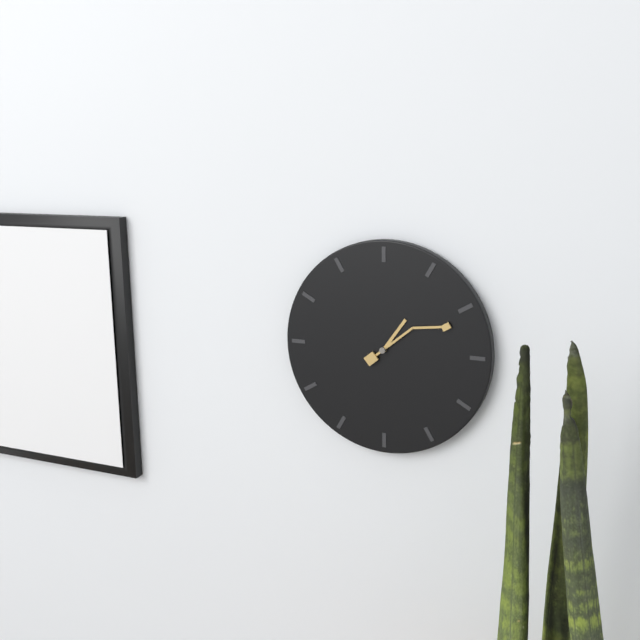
1:11
